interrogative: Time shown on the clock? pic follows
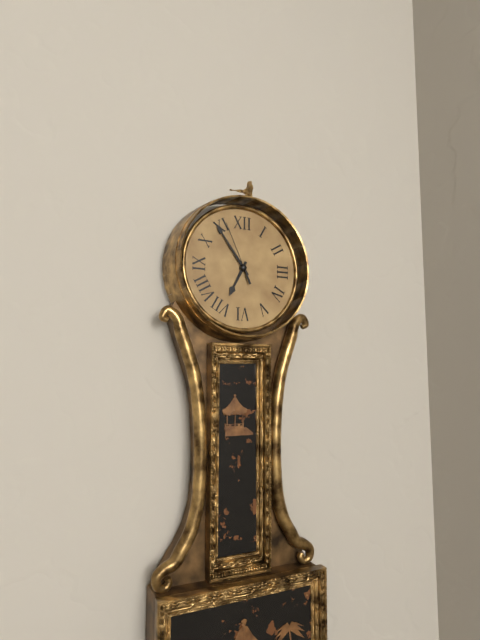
6:54:56
